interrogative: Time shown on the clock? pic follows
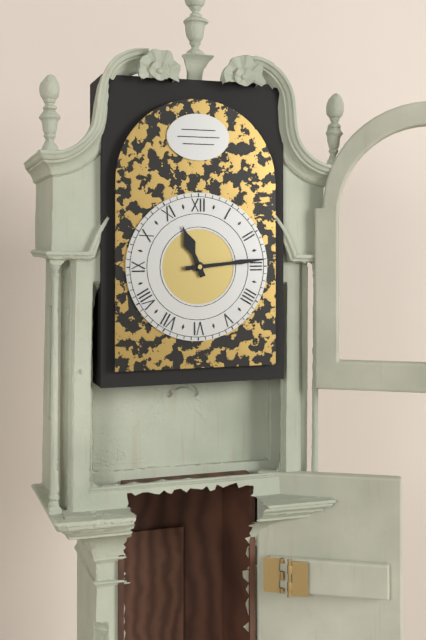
11:14
